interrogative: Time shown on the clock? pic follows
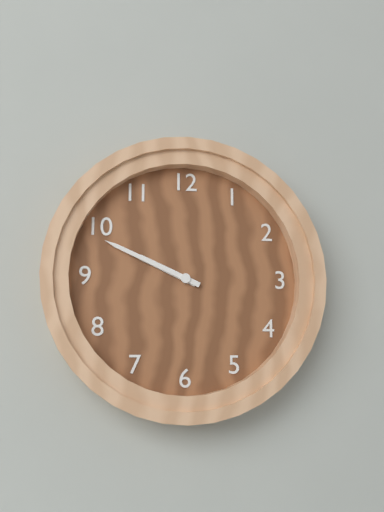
9:49
